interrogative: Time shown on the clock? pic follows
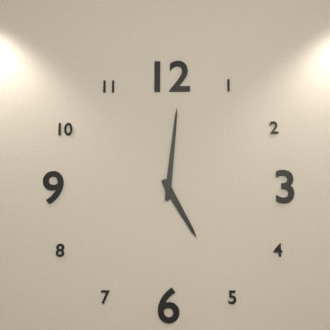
5:01
